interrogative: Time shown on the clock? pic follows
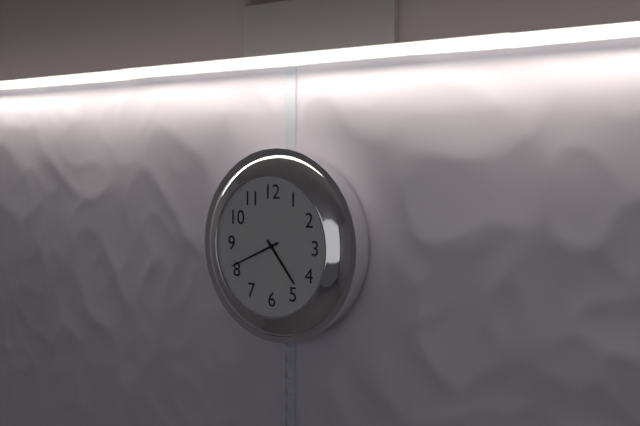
4:41
